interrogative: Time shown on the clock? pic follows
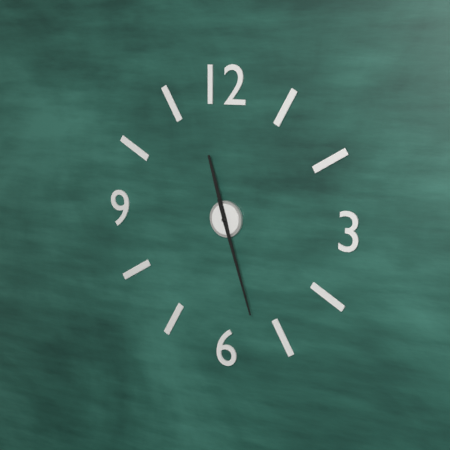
11:27
